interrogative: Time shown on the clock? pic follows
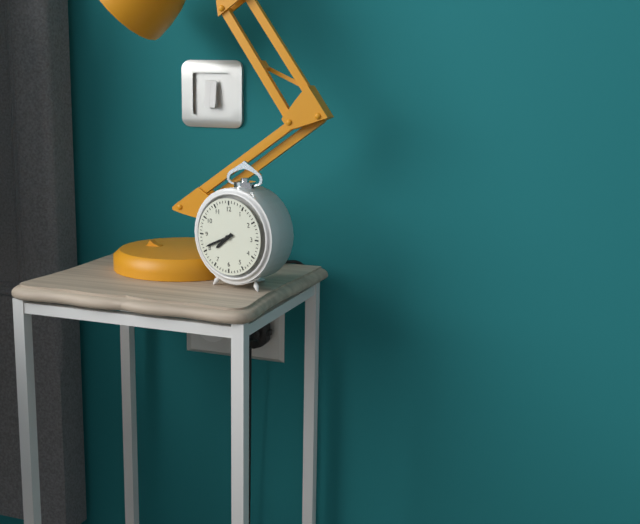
7:41
